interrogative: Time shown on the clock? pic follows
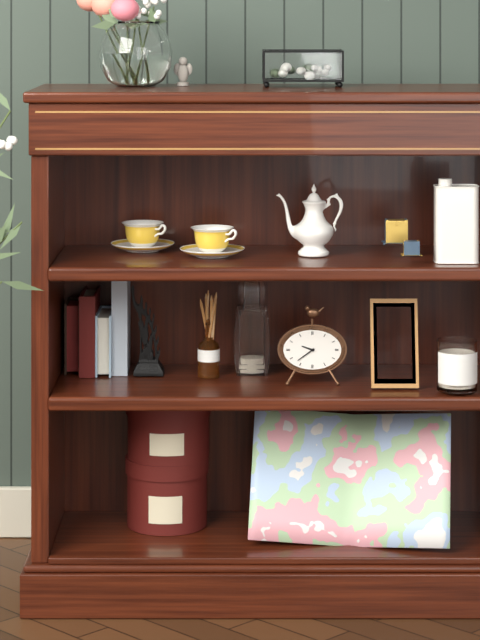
9:39
